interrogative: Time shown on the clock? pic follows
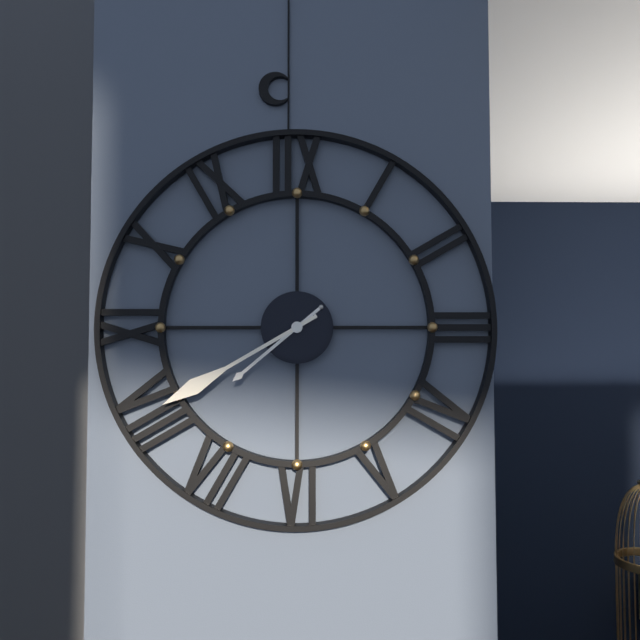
7:40
